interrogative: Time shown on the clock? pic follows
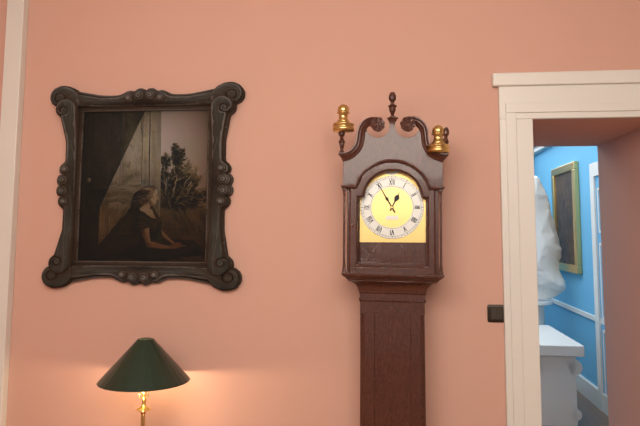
12:55
